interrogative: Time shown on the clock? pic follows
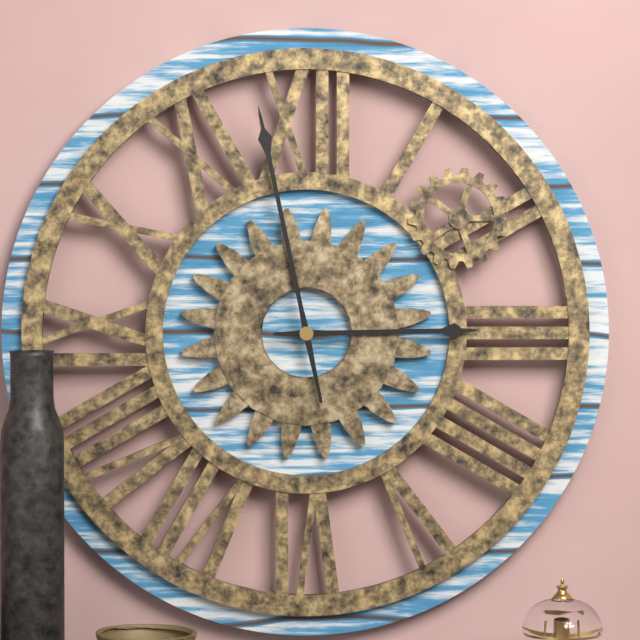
2:58
